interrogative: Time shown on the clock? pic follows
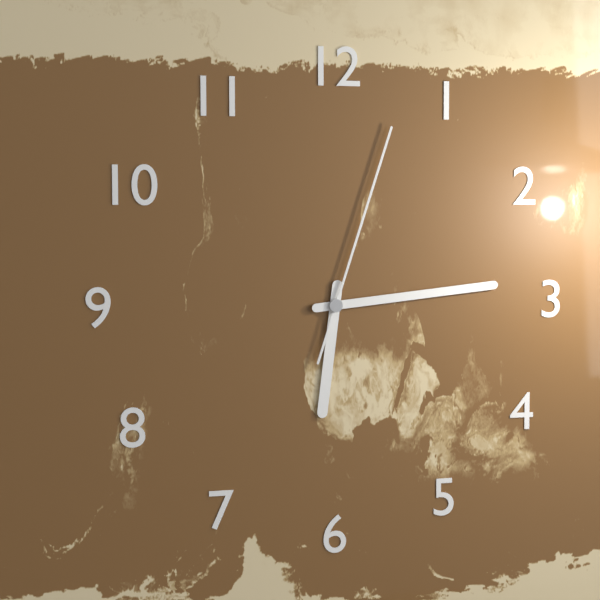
6:14:03
